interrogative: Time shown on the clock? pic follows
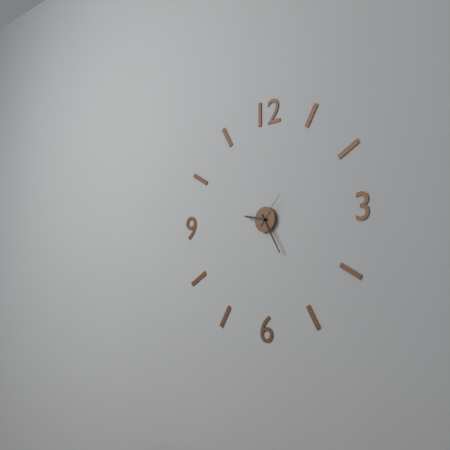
9:25
